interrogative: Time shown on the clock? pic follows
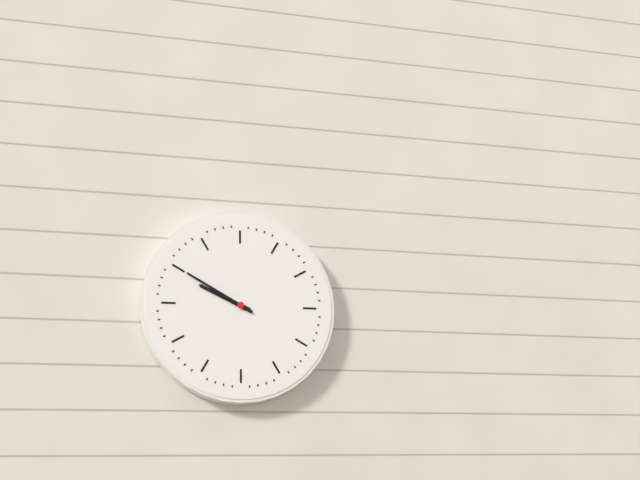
9:50
